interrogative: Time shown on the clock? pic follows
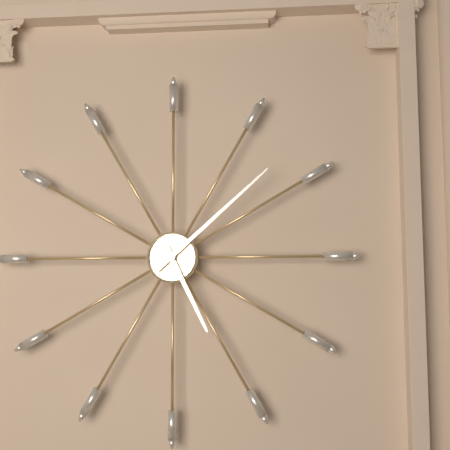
5:08
